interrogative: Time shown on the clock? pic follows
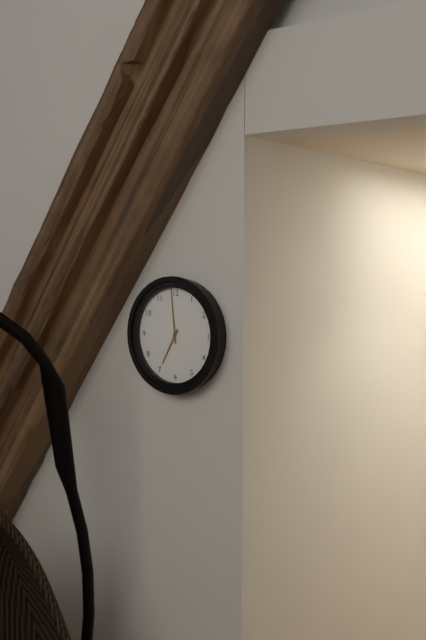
6:59
